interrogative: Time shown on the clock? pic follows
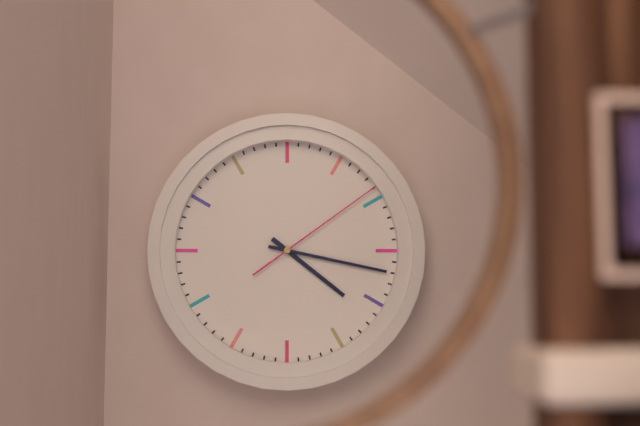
4:17:09
